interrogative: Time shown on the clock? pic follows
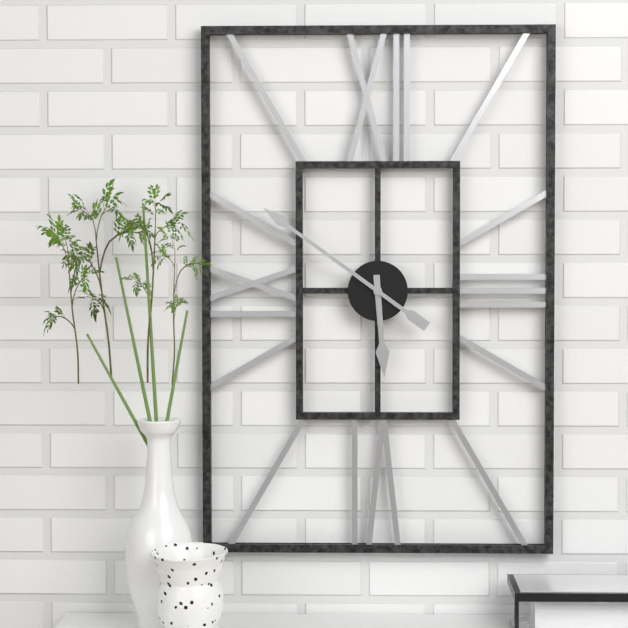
5:51
